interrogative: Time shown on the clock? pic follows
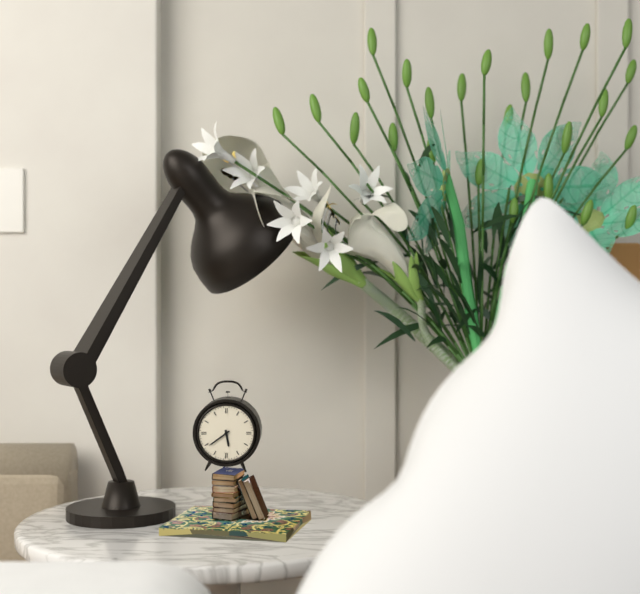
5:39
